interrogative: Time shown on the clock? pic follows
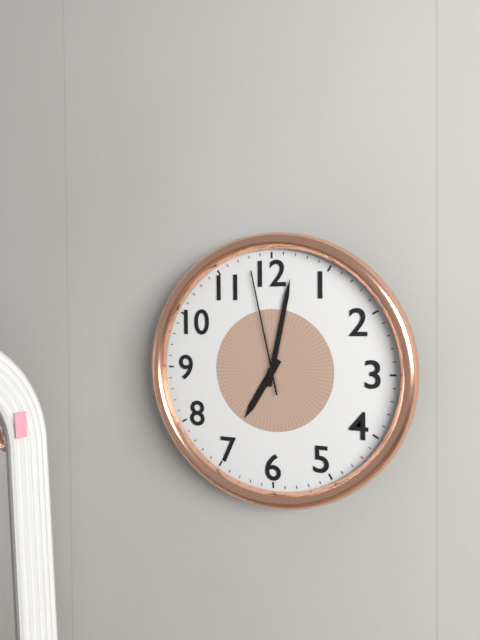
7:02:58
